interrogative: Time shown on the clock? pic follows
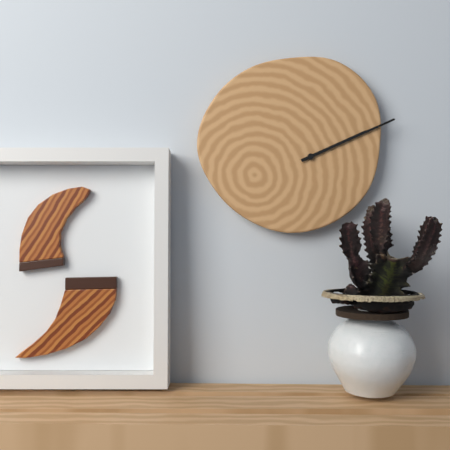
2:11
